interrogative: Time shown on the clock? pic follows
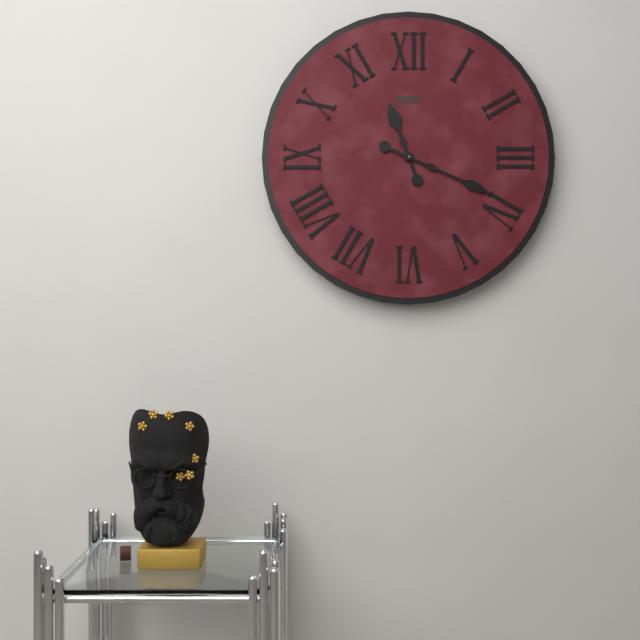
11:19
